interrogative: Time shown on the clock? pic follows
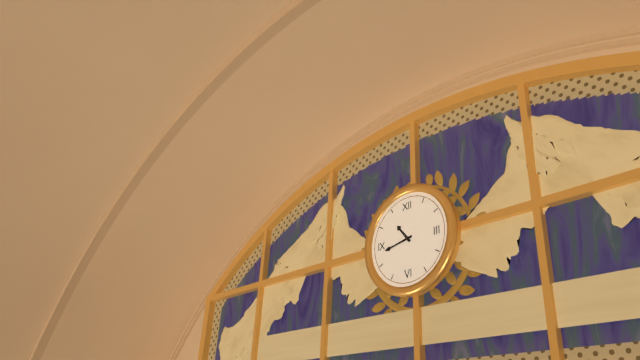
10:43
